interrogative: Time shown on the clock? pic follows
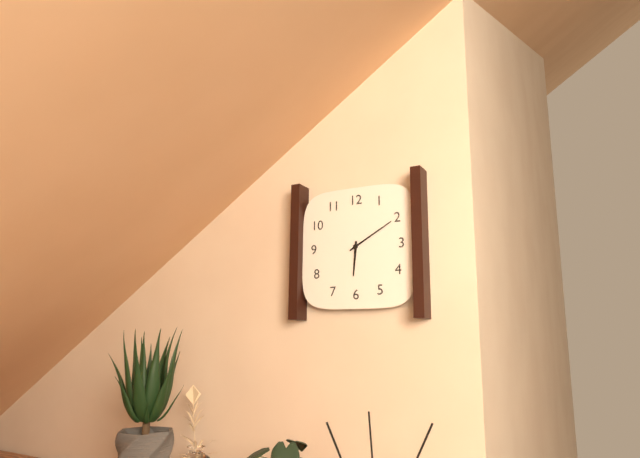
6:10
